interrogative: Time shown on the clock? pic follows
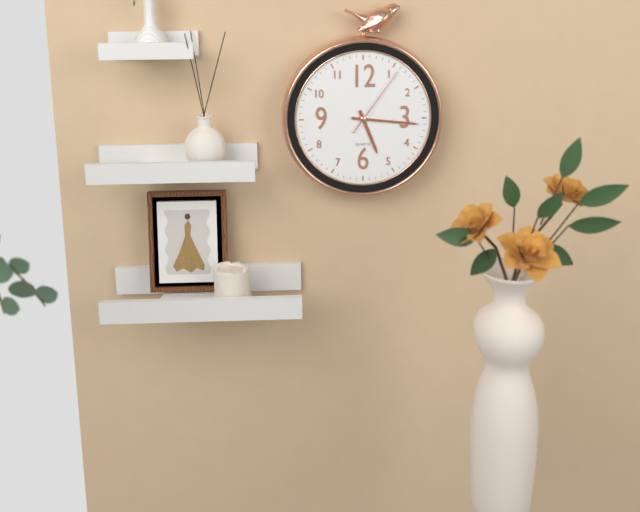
5:16:06
